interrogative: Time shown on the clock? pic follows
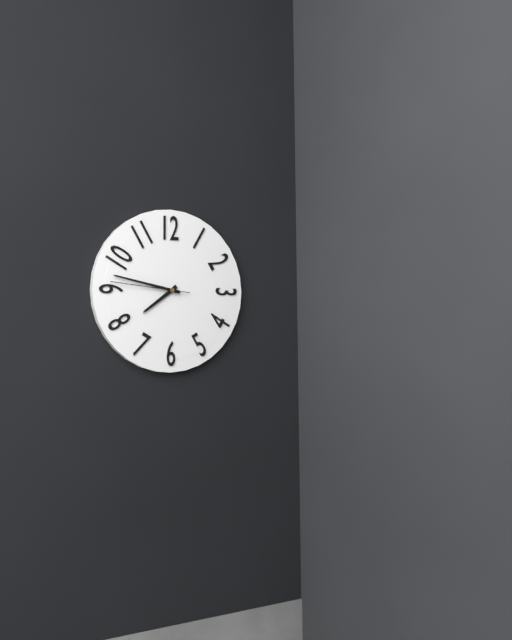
7:47:46
